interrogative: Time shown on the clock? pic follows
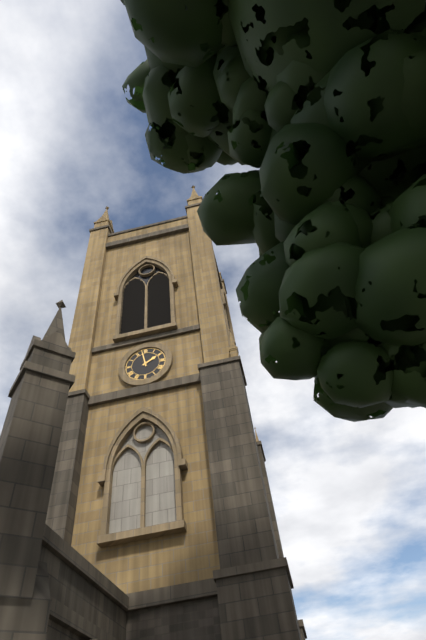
1:58
